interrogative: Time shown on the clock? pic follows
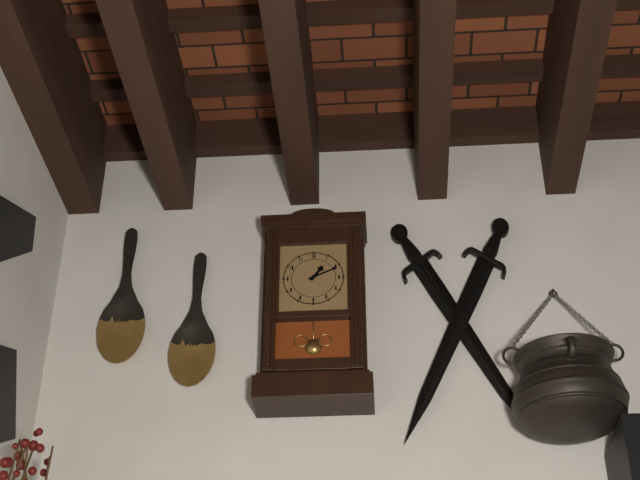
1:11
